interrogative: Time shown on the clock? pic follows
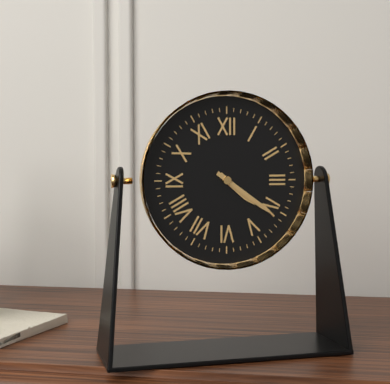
4:21
